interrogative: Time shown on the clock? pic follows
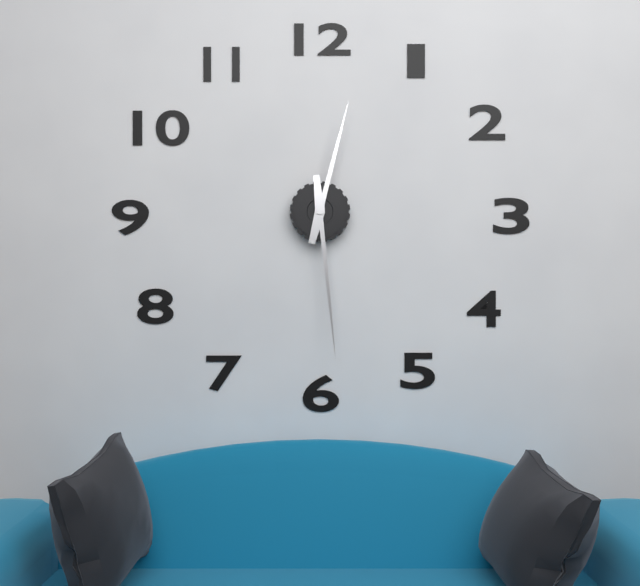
12:29
